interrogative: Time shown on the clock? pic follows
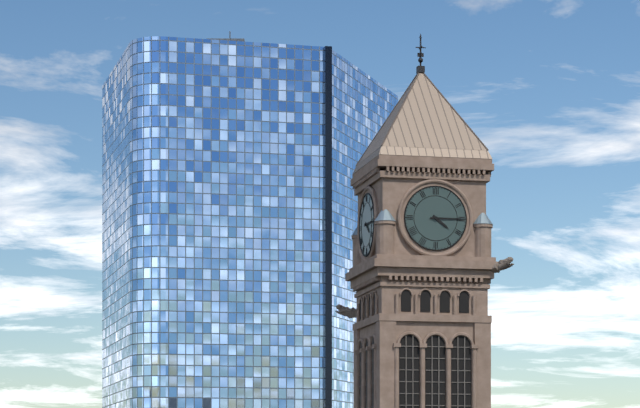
4:15
